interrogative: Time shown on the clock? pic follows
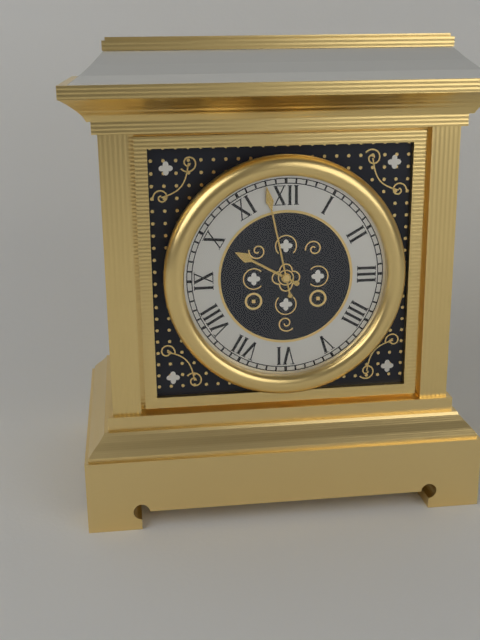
9:58
